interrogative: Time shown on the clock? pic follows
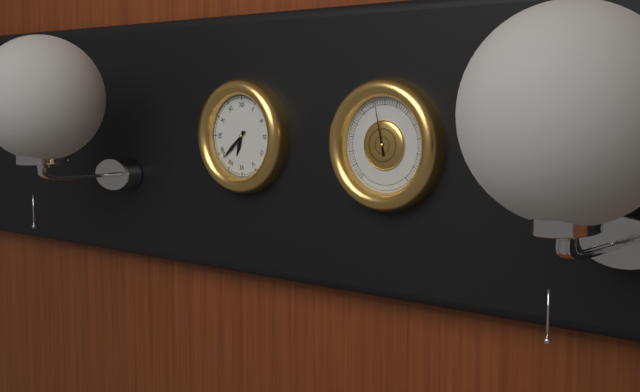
6:38
